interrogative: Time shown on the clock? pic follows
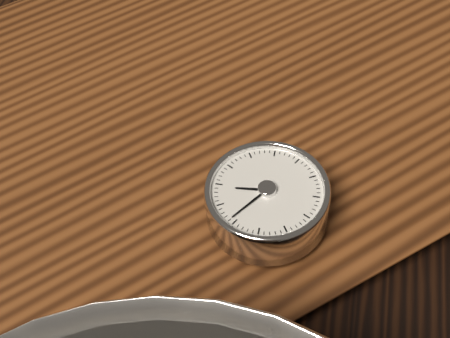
11:51
